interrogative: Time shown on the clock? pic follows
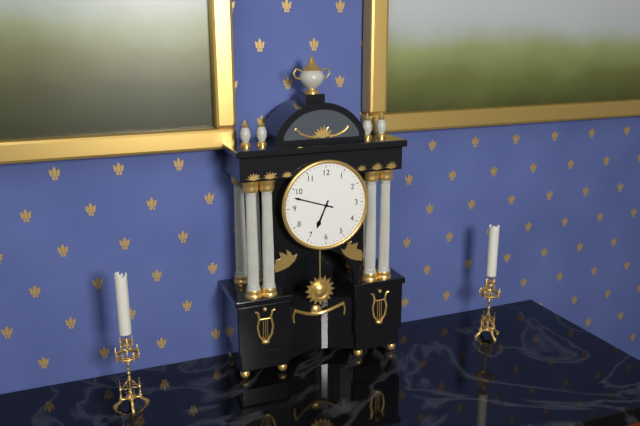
6:48
